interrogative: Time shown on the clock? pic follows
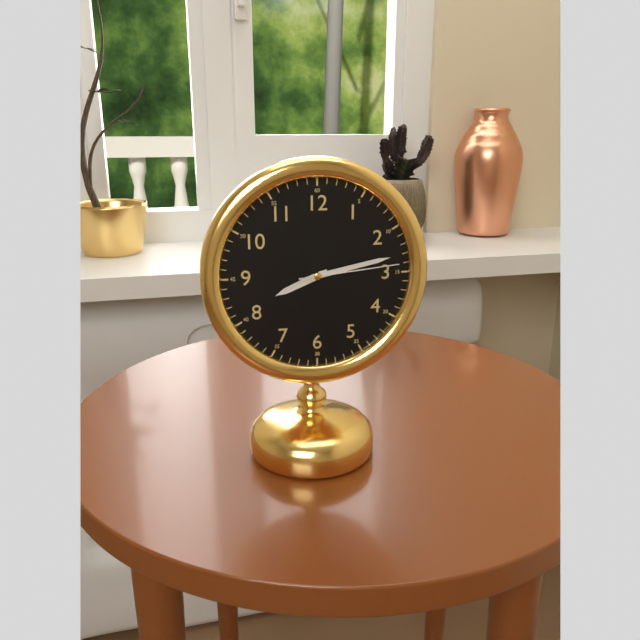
8:13:14
